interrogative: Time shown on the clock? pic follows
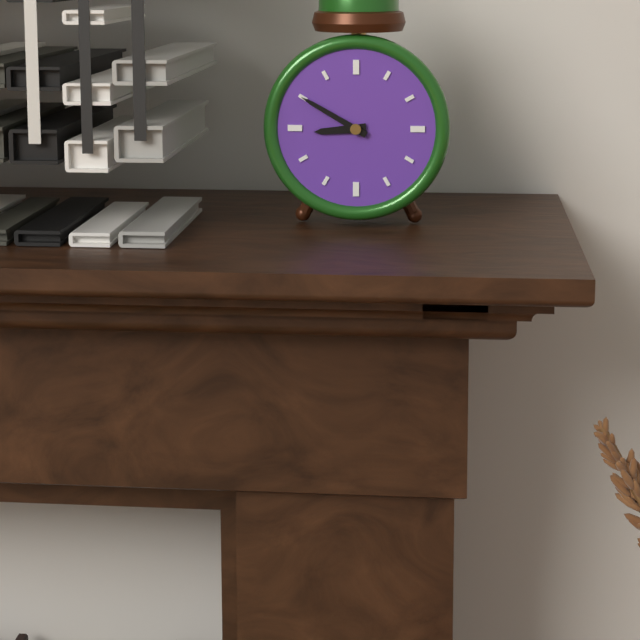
8:50
